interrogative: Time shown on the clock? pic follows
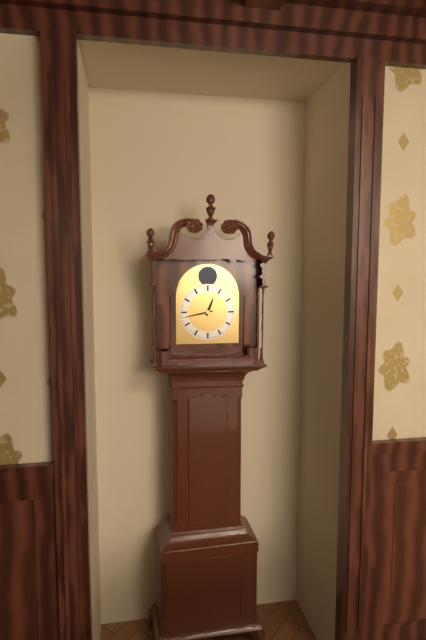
12:43
